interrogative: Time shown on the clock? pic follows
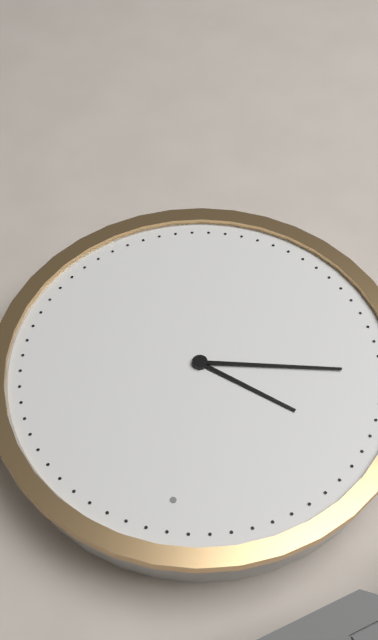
9:44
